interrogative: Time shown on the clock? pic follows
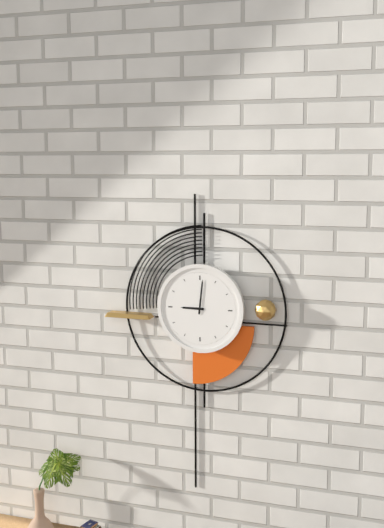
9:01
